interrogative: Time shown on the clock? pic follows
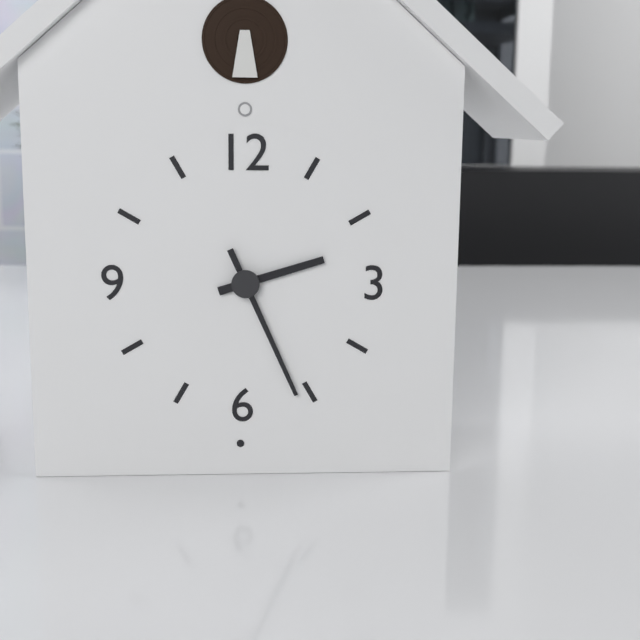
2:26
